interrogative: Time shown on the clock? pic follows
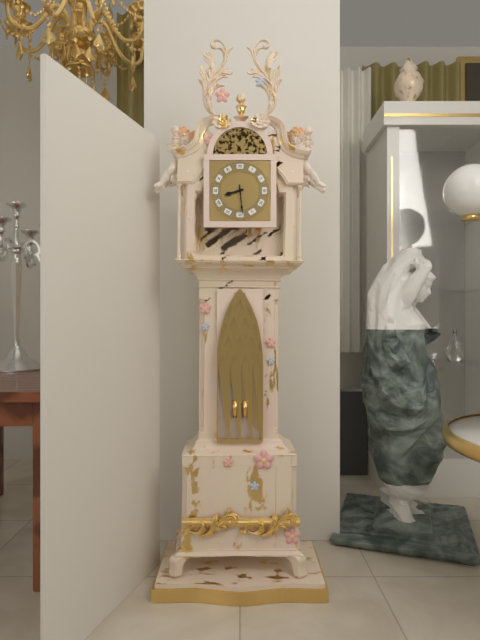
8:29
